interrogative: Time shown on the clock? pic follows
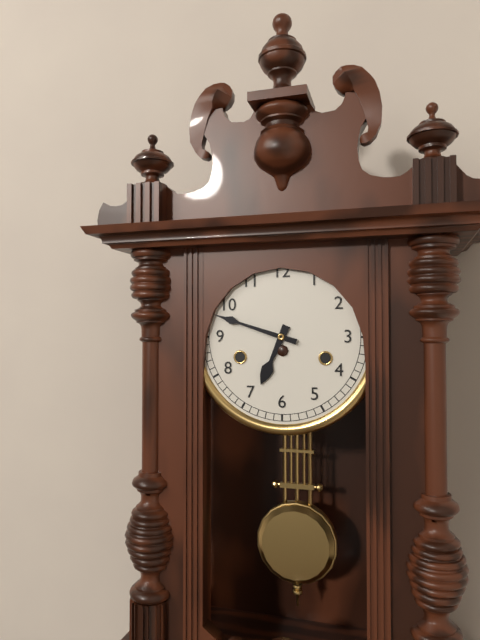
6:48
